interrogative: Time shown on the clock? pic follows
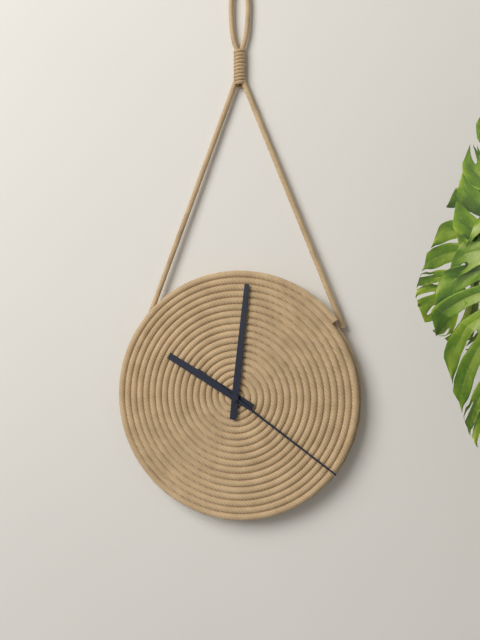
10:01:21
